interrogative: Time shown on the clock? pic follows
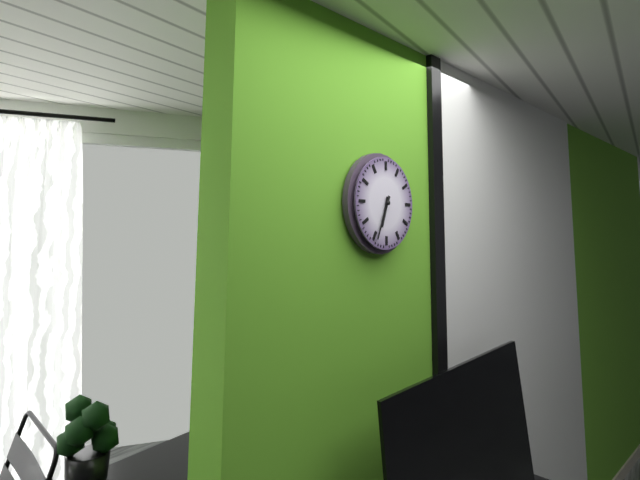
6:34
